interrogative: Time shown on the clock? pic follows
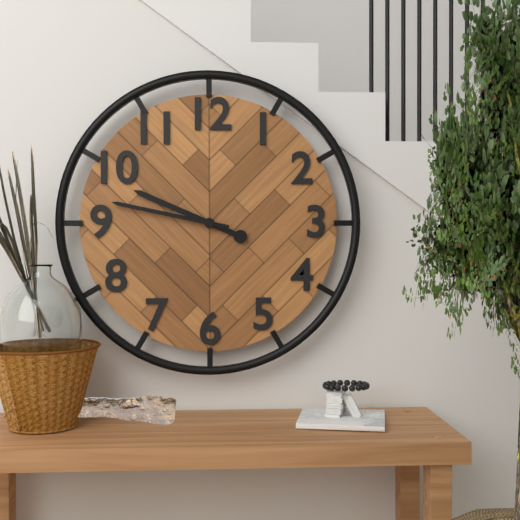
9:47
